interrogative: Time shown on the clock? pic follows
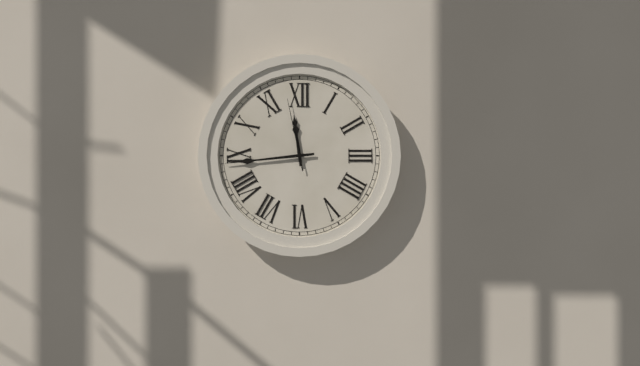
11:44:58
